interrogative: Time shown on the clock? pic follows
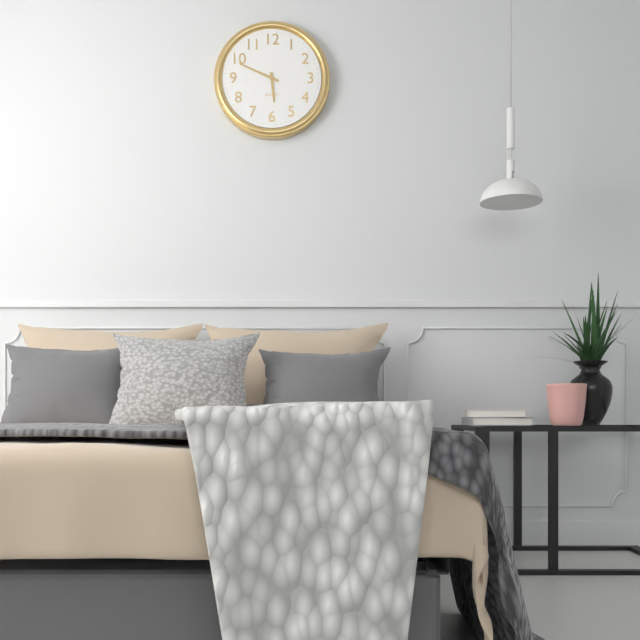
5:49
